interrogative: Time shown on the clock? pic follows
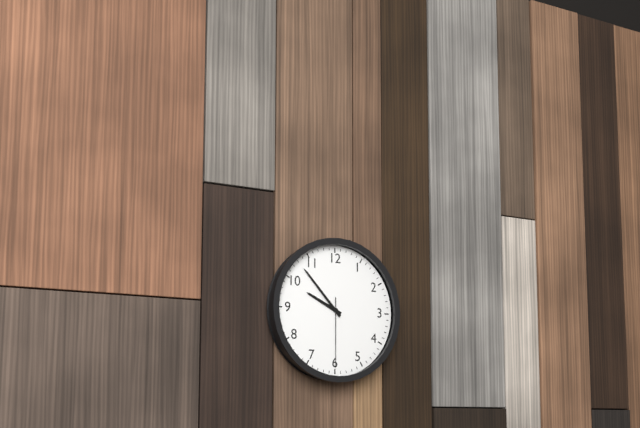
9:53:30
